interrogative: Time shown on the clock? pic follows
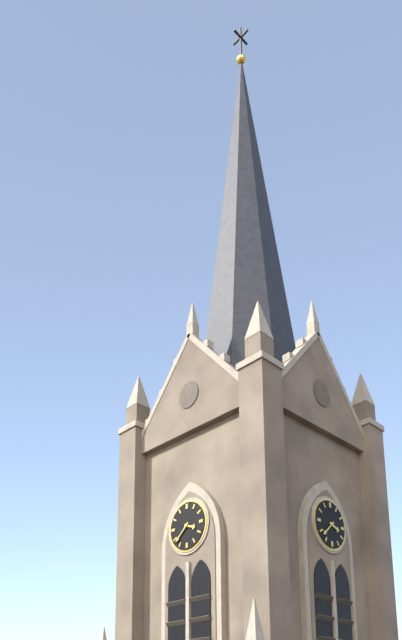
3:38
